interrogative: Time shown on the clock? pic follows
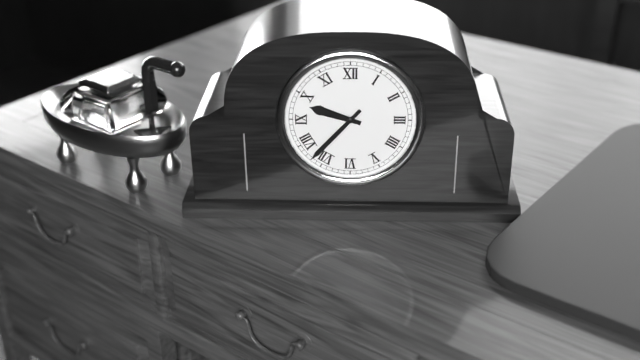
9:37
